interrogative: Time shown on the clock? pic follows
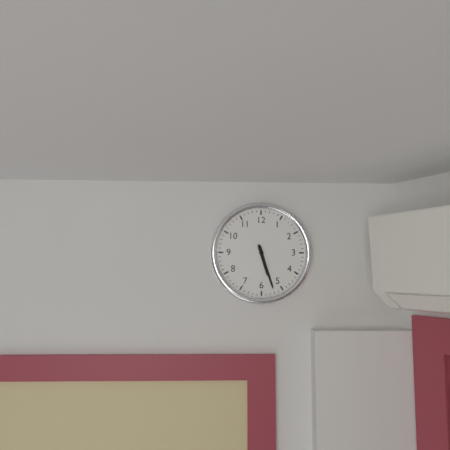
5:27
